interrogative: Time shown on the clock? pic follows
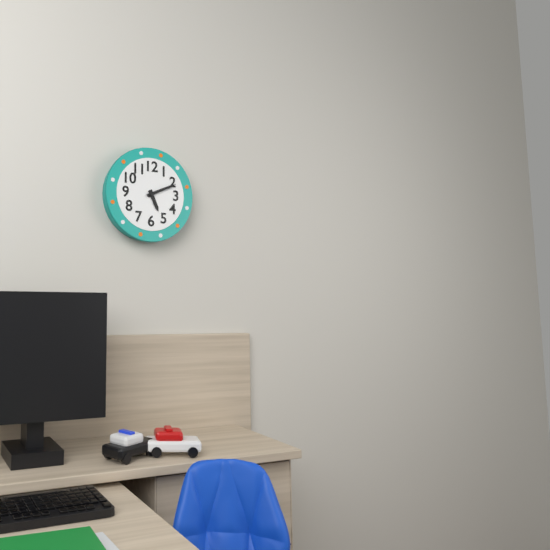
5:11
